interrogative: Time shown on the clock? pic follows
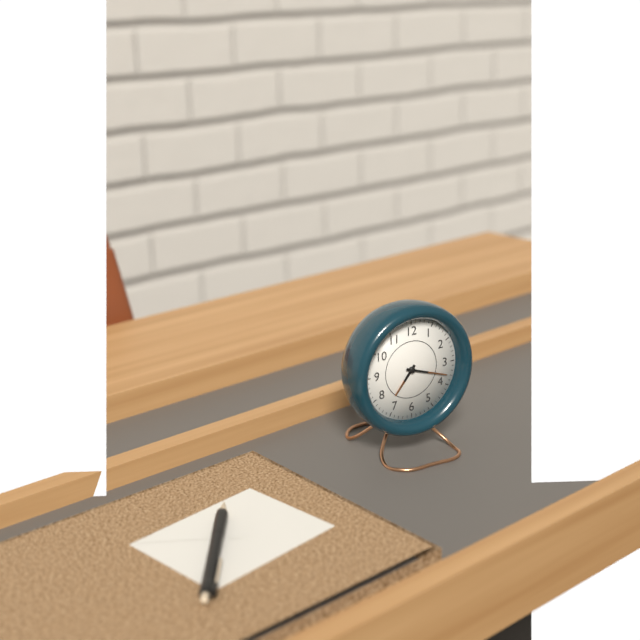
7:18
